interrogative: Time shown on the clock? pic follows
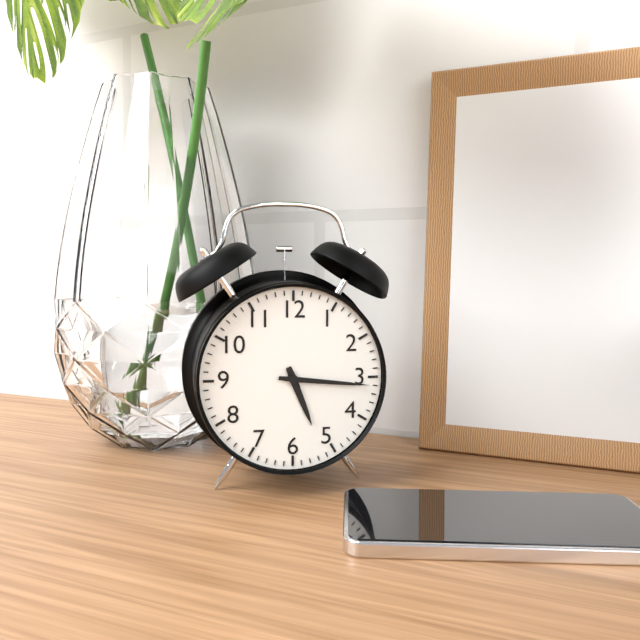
5:16
